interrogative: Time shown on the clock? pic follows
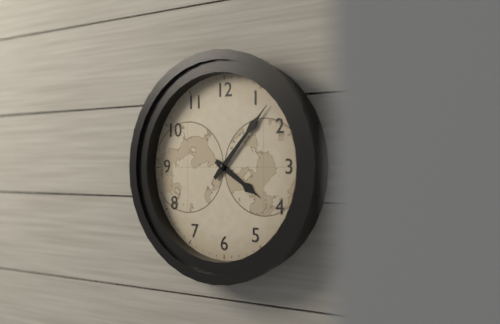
4:07
